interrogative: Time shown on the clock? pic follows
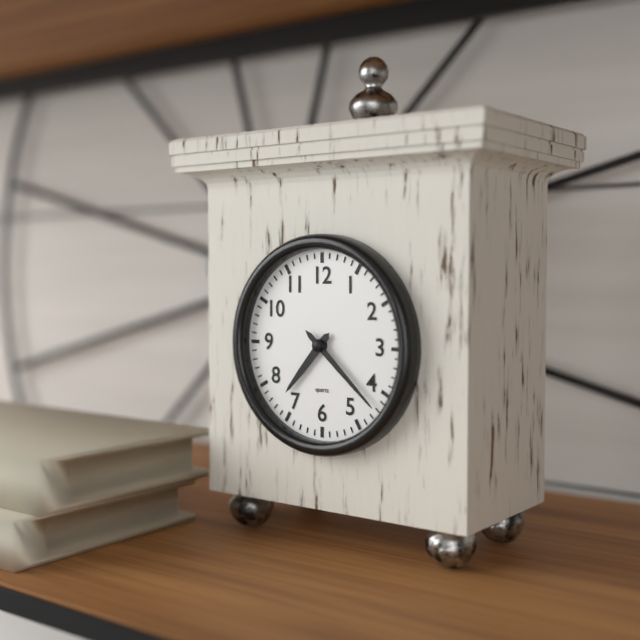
7:22
